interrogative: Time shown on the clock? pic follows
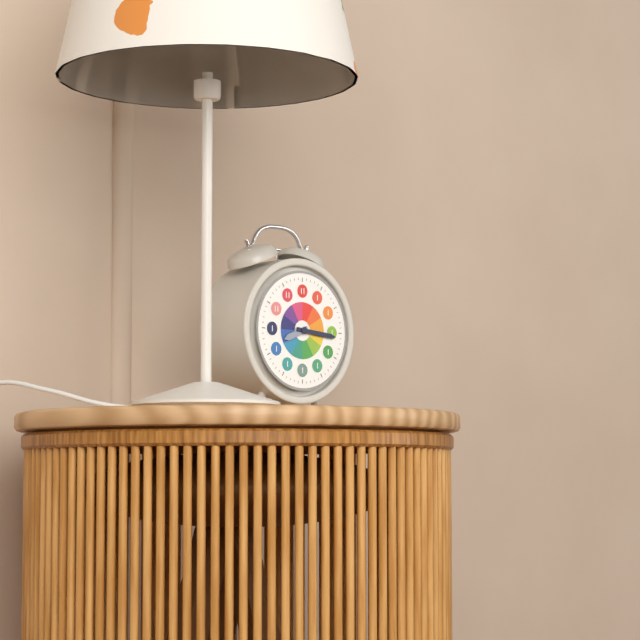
8:16
